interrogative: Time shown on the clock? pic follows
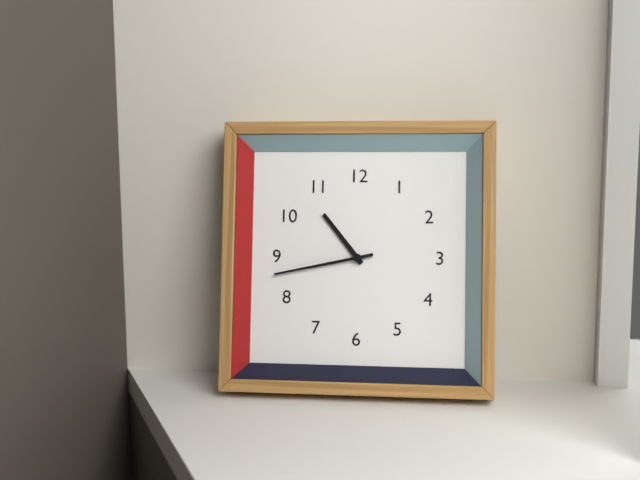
10:43
